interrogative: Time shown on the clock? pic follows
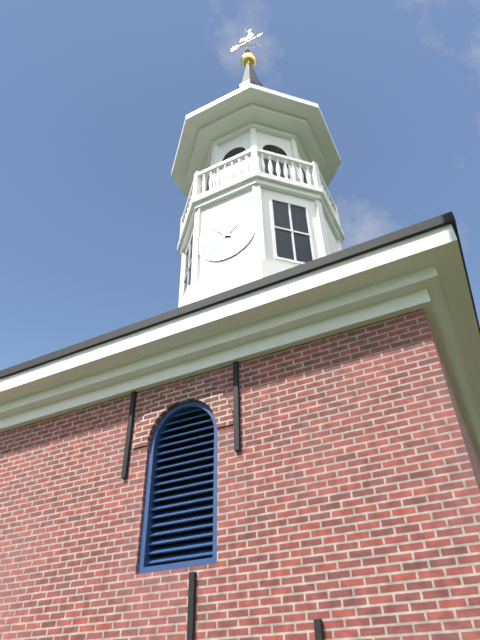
1:53
